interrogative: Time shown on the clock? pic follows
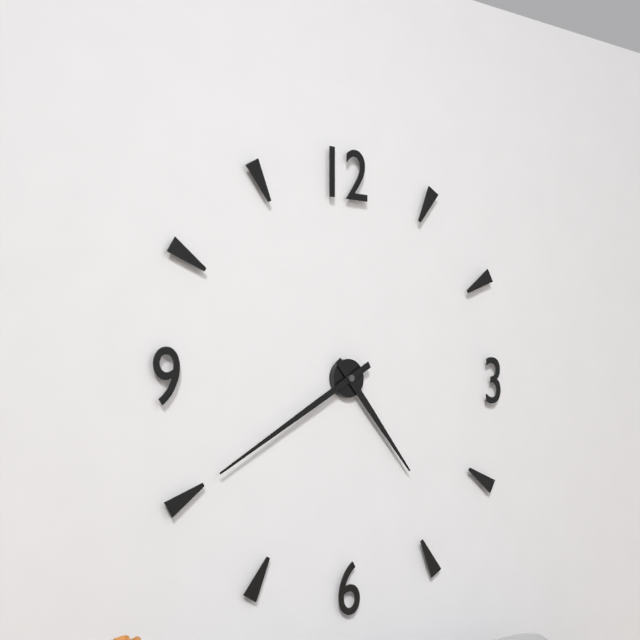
4:40
